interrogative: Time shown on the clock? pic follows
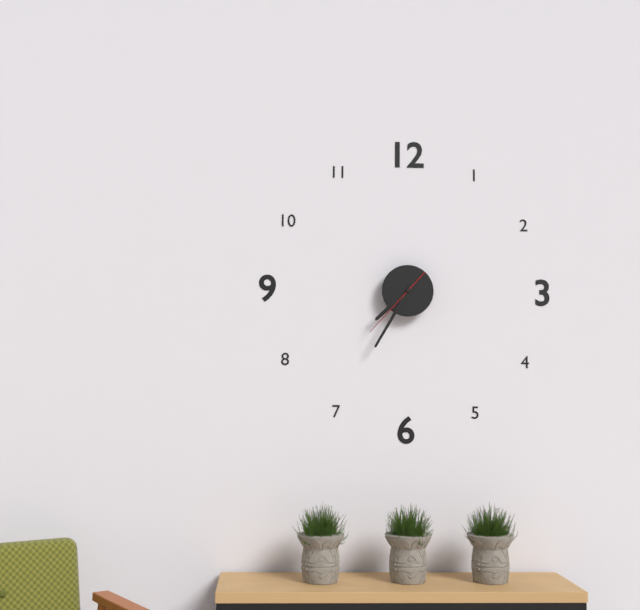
7:35:37
